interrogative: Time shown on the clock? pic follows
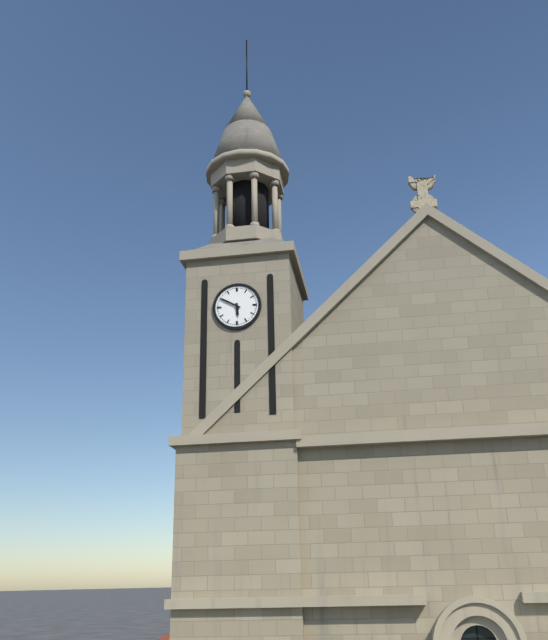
5:50
